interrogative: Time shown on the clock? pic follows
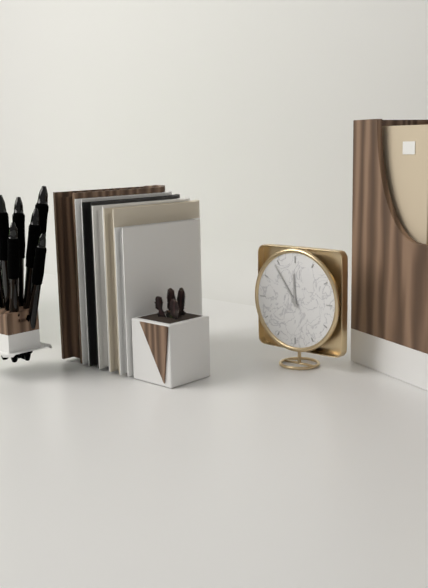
11:54
